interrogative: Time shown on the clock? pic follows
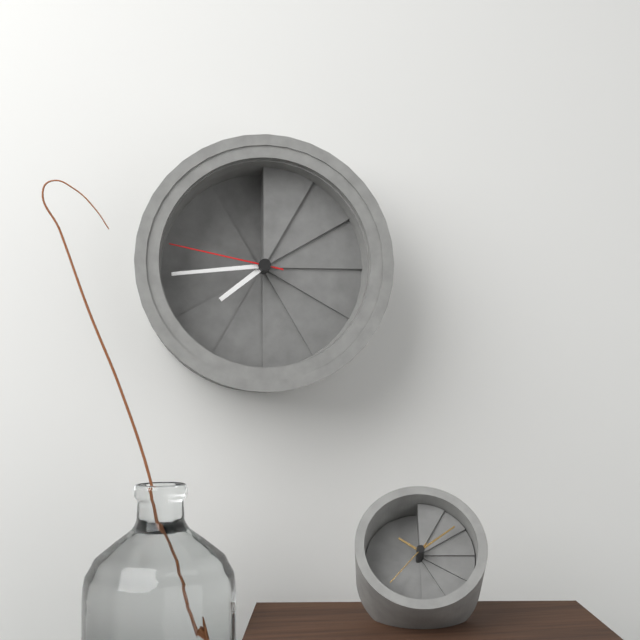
7:44:47
